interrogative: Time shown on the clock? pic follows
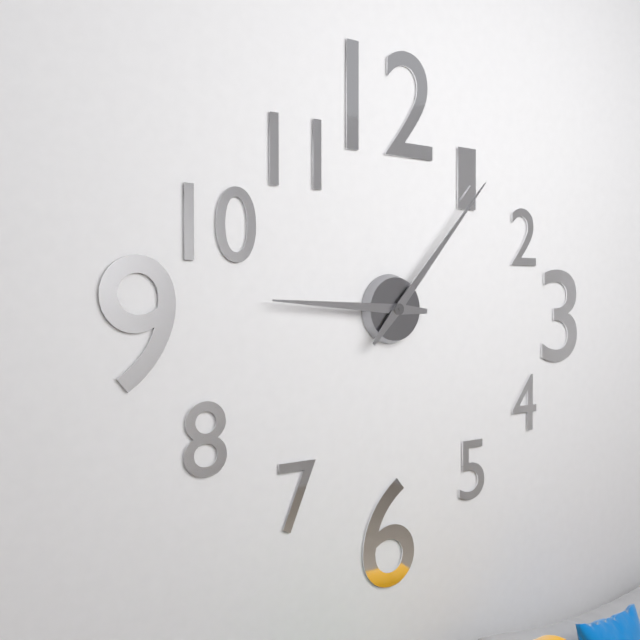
9:07
